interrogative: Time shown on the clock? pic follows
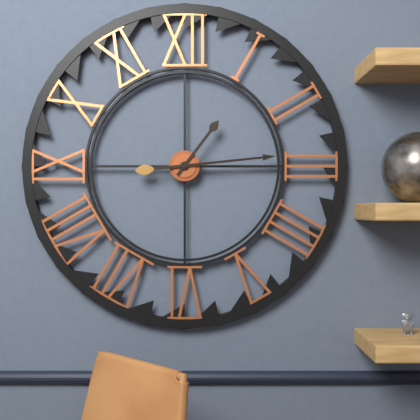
1:14
